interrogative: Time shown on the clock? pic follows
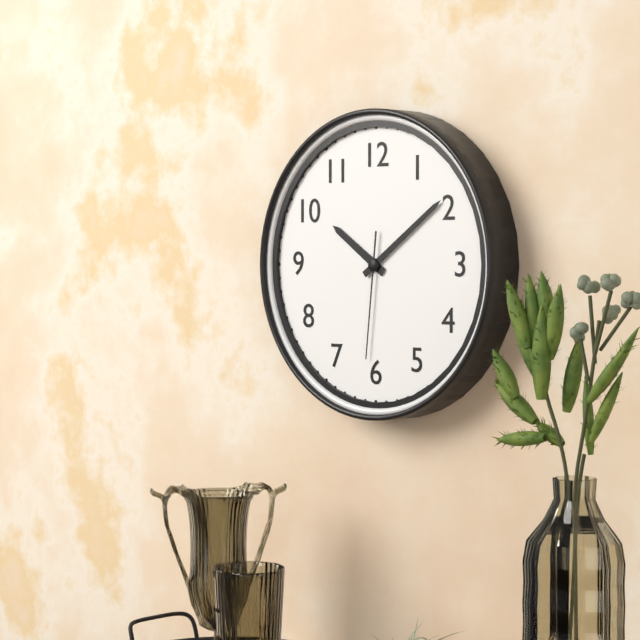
10:09:31
